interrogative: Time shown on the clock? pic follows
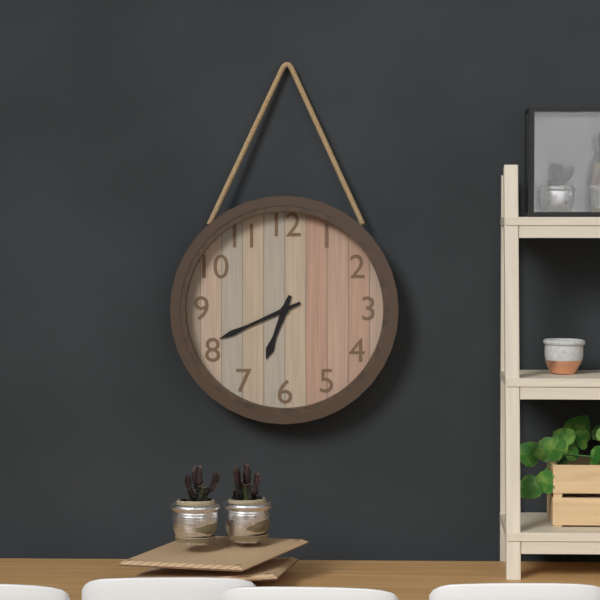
6:41
